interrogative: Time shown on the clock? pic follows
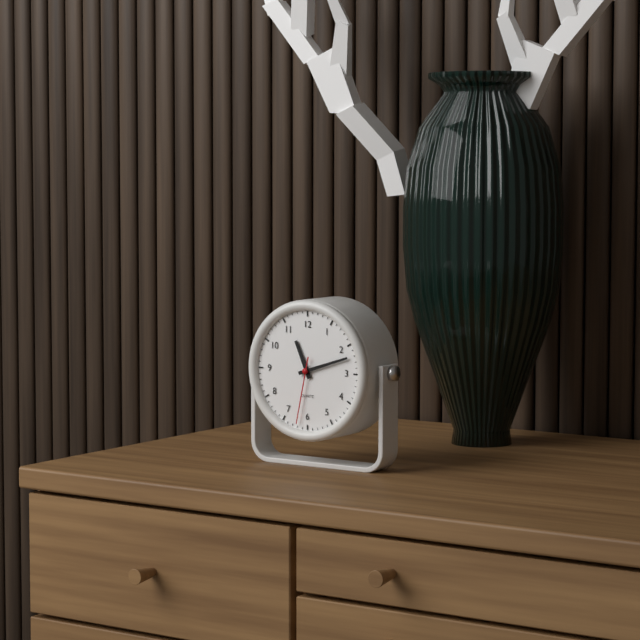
11:12:32
